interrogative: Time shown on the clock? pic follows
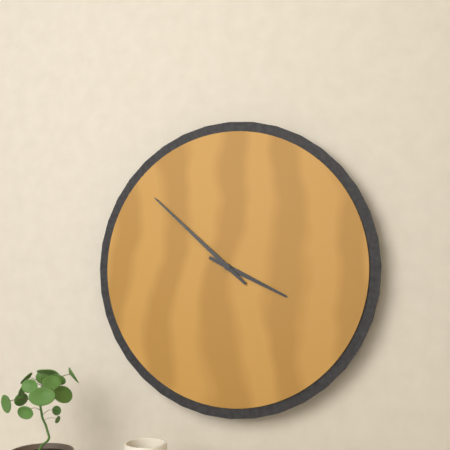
3:52
